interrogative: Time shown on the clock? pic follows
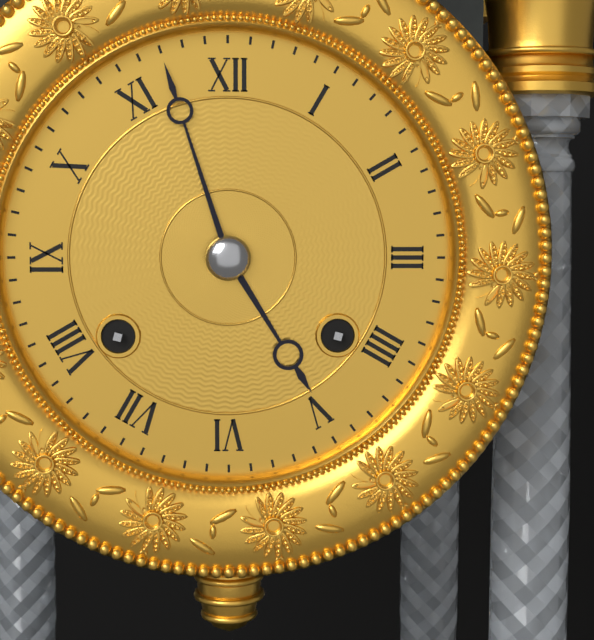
4:57
